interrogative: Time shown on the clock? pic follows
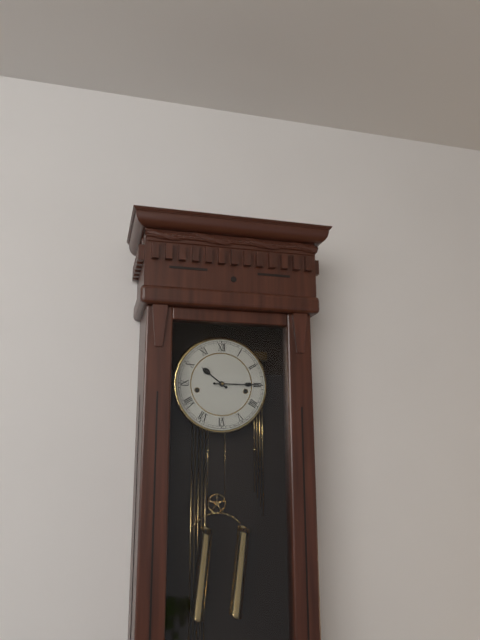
10:15
